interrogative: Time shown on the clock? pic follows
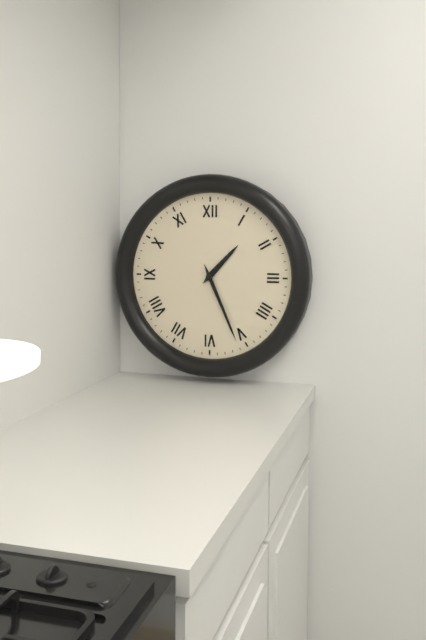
1:26
